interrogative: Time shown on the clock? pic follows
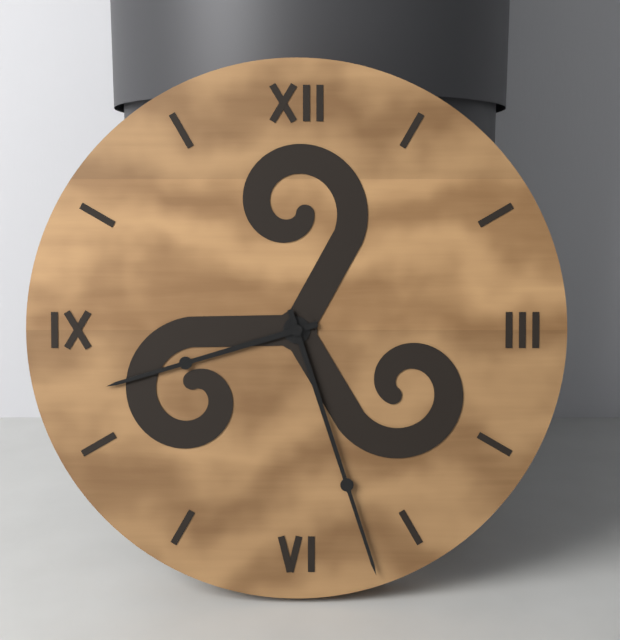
8:27
